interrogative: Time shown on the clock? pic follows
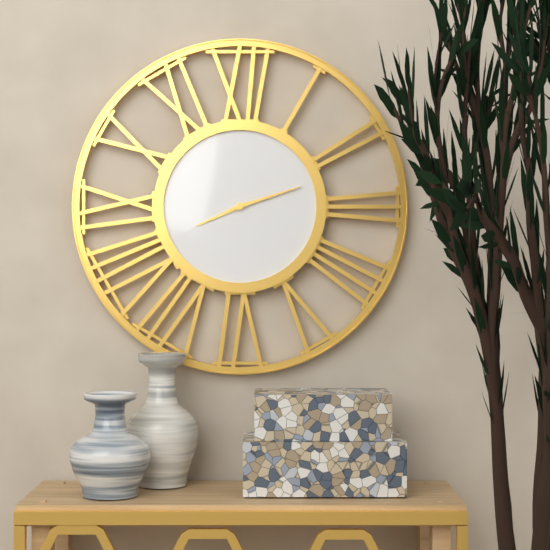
8:12
